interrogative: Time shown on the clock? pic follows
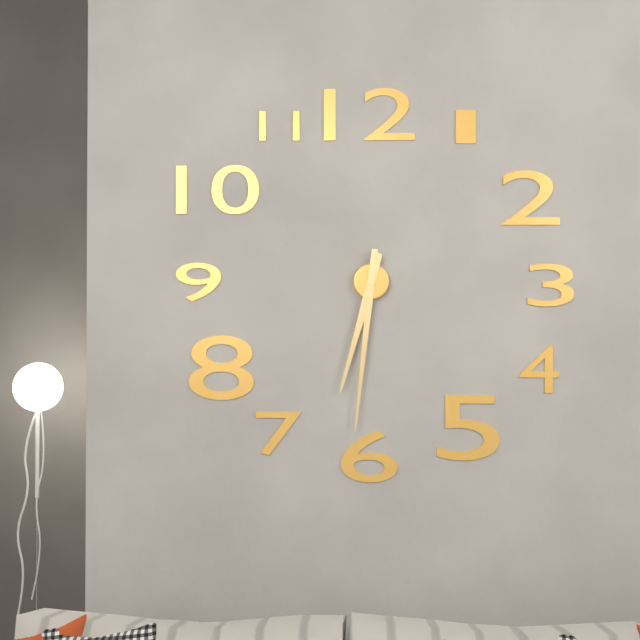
6:31
